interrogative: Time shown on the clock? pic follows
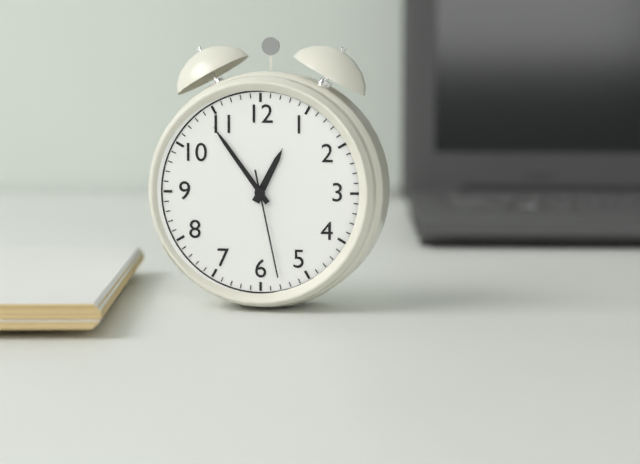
12:54:28
